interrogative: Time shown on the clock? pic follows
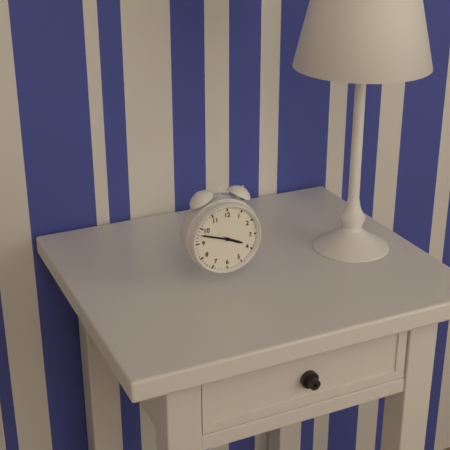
3:48
